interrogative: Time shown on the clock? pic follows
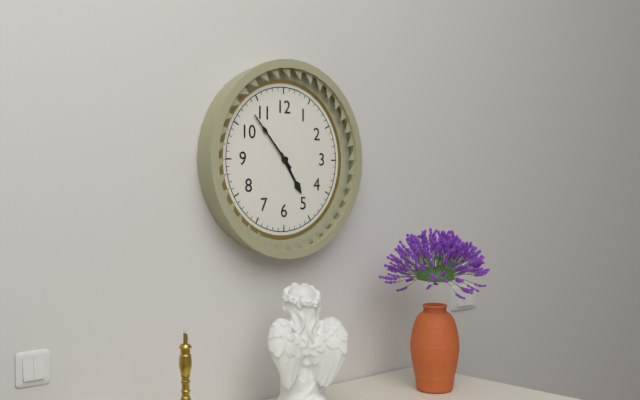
4:53
